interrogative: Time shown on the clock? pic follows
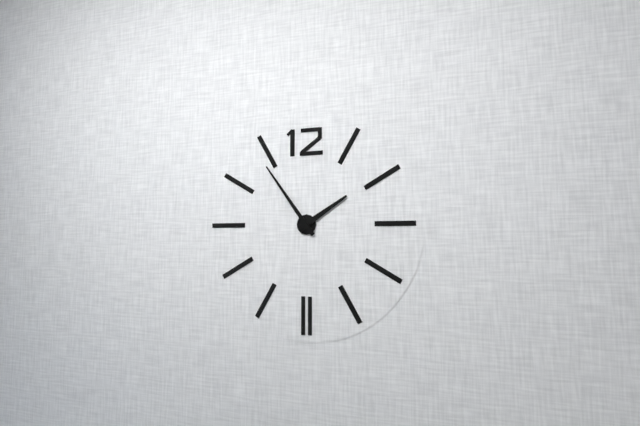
1:54
